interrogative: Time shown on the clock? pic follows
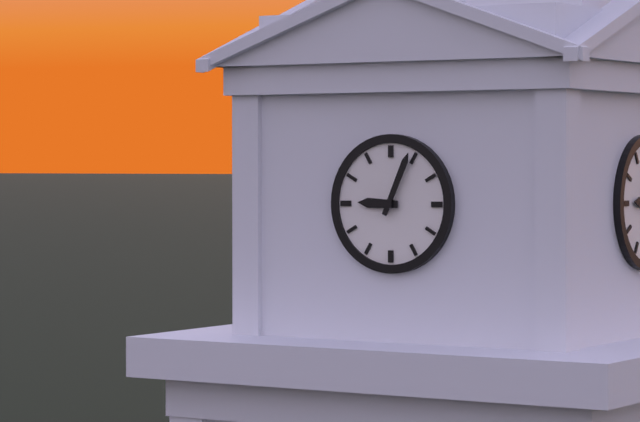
9:04
